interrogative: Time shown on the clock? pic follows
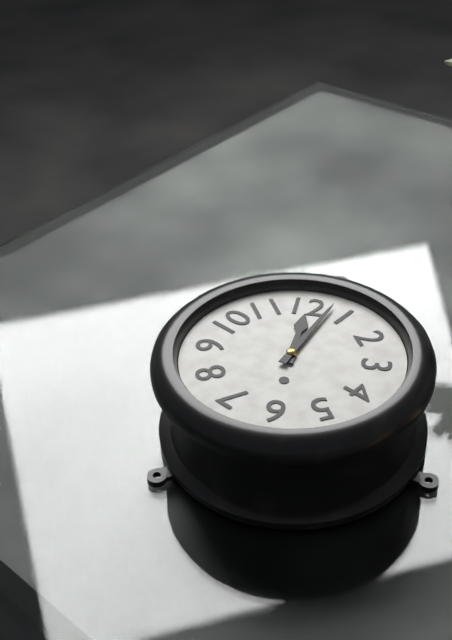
12:03
